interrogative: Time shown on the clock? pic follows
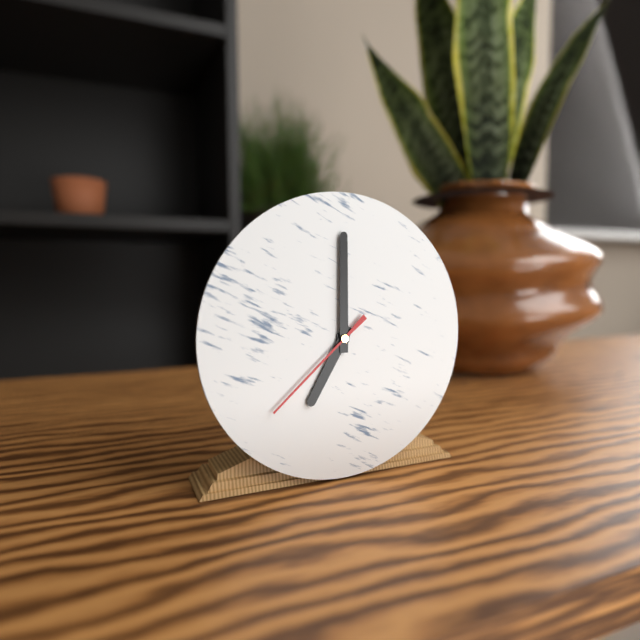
7:00:38
